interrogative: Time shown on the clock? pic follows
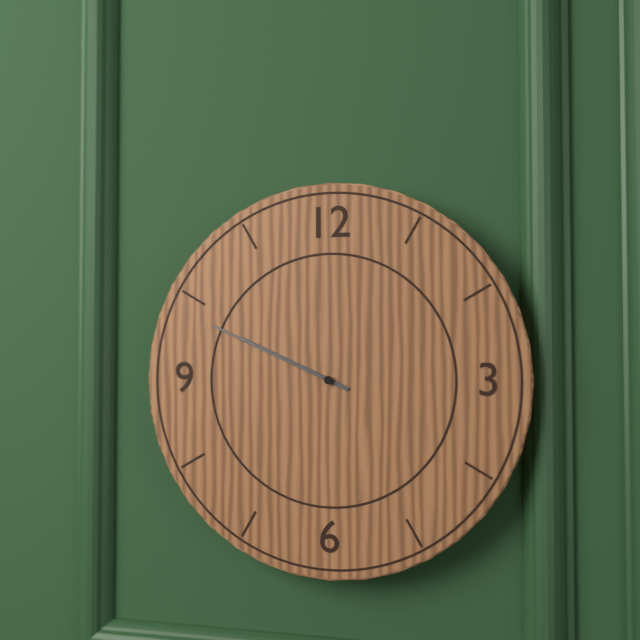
9:49
